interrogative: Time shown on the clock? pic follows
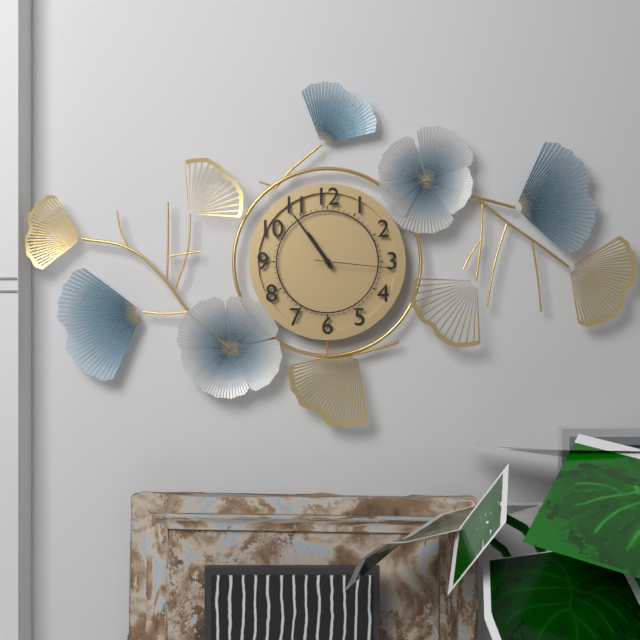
10:54:16
